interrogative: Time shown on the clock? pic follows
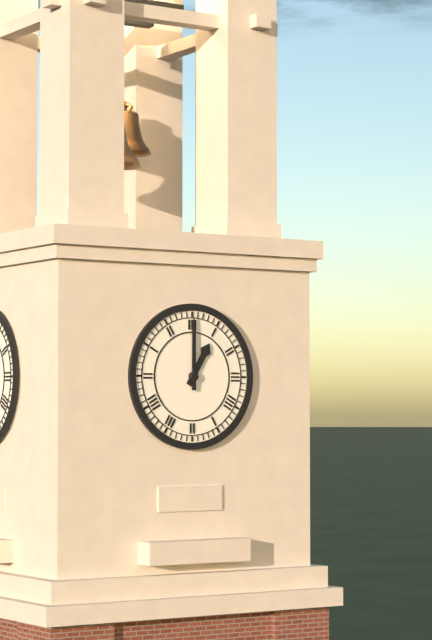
1:00
